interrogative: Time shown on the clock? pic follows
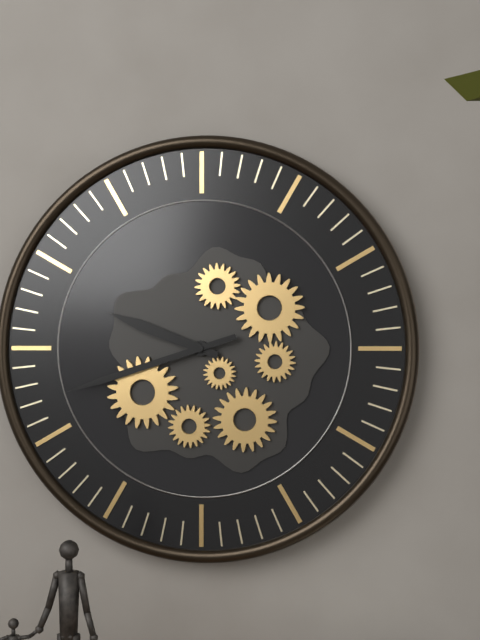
9:42
